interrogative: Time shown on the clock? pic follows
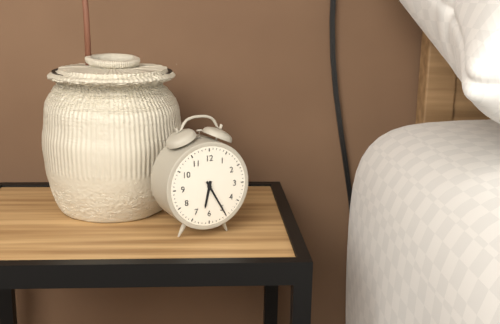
6:25
